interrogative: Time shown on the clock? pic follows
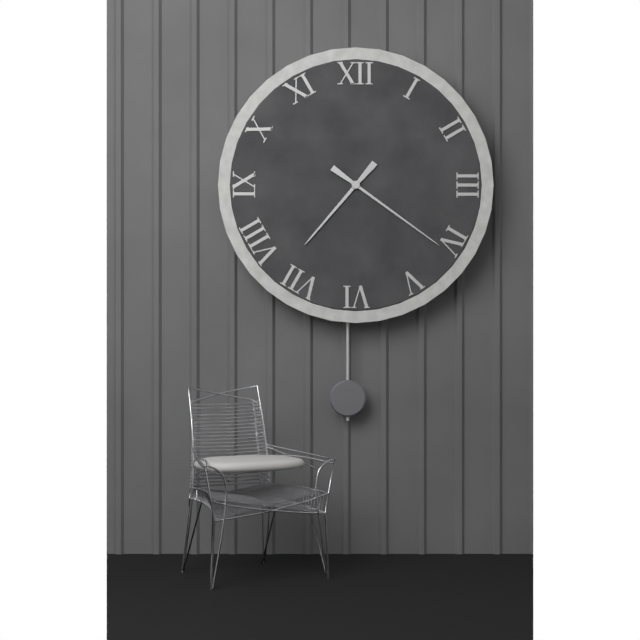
7:21
